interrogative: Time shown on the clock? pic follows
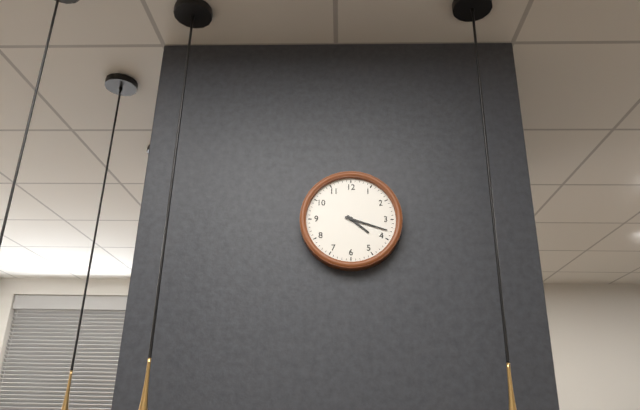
4:18
